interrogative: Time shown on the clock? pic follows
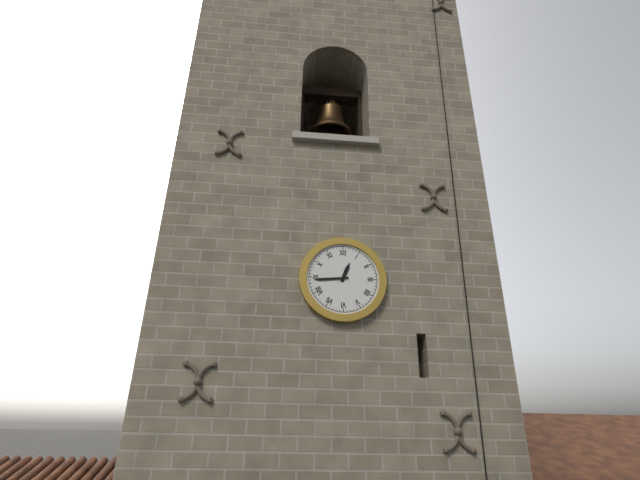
12:44
